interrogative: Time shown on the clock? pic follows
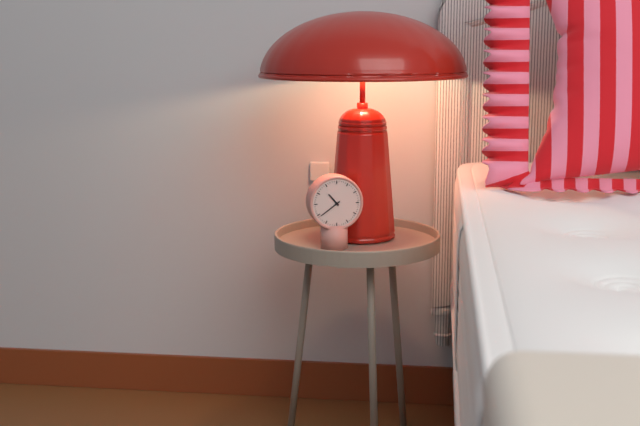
10:39
